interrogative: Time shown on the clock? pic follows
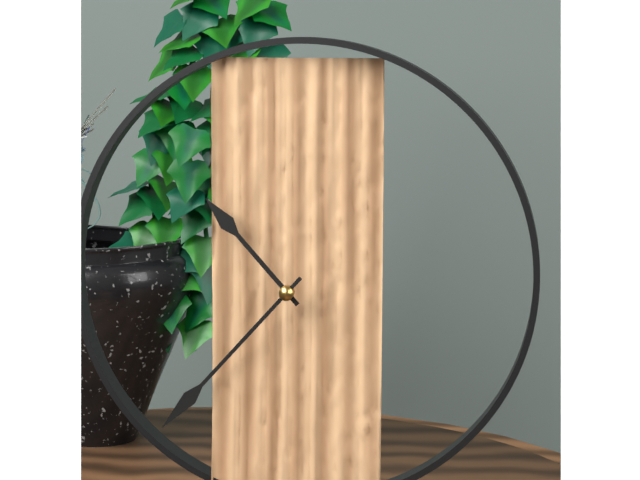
10:37
